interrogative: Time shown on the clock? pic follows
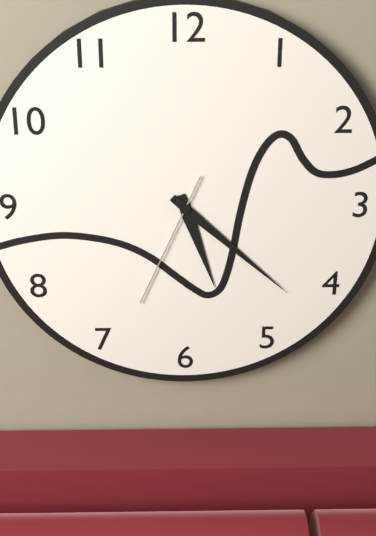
5:22:34
